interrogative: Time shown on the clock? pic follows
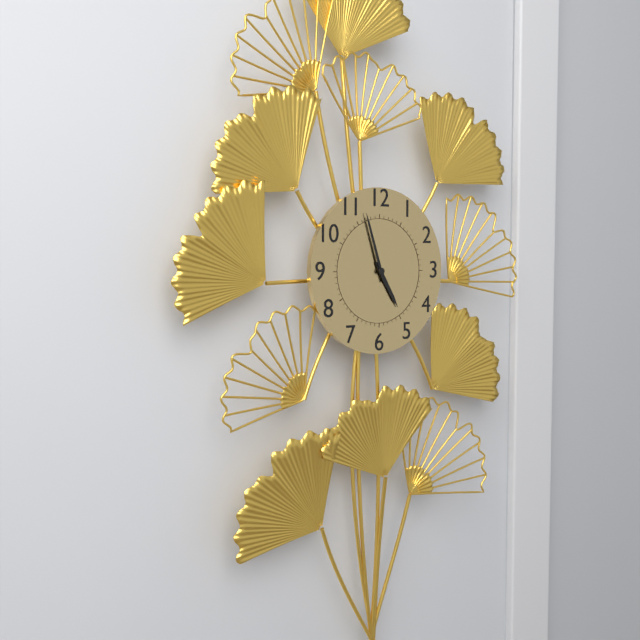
4:57
